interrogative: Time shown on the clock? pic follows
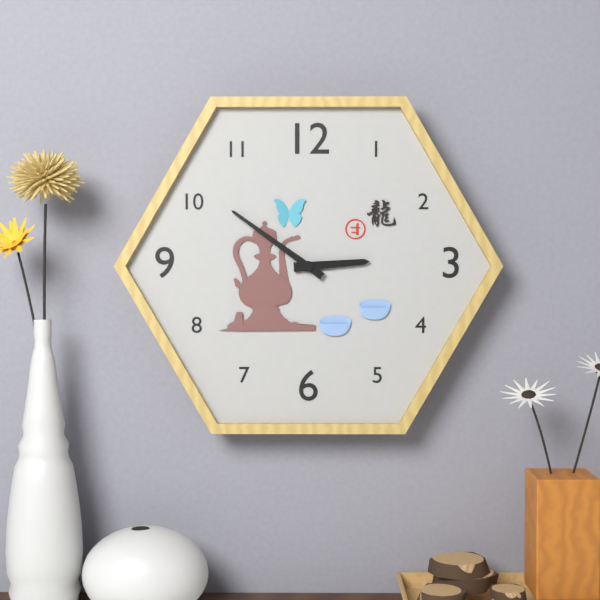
2:51
